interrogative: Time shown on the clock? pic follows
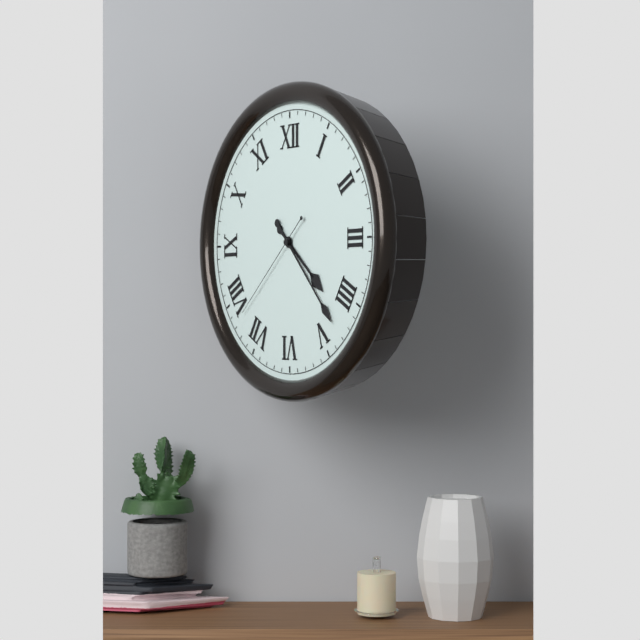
4:23:38
